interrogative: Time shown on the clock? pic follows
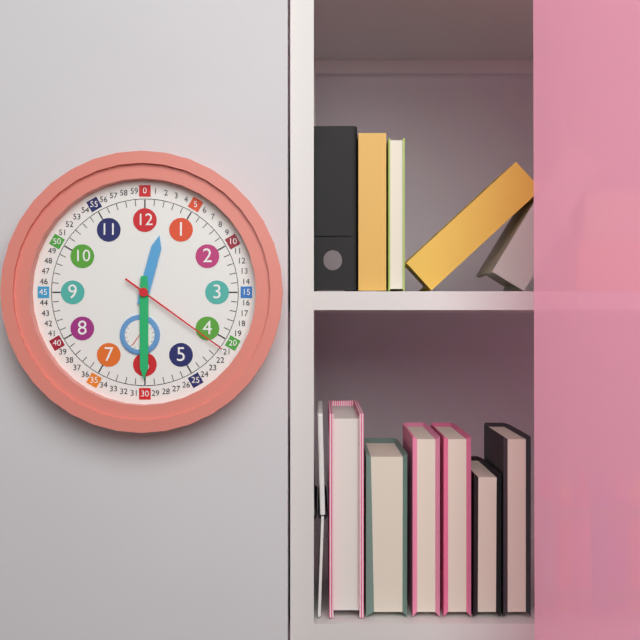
12:30:21
